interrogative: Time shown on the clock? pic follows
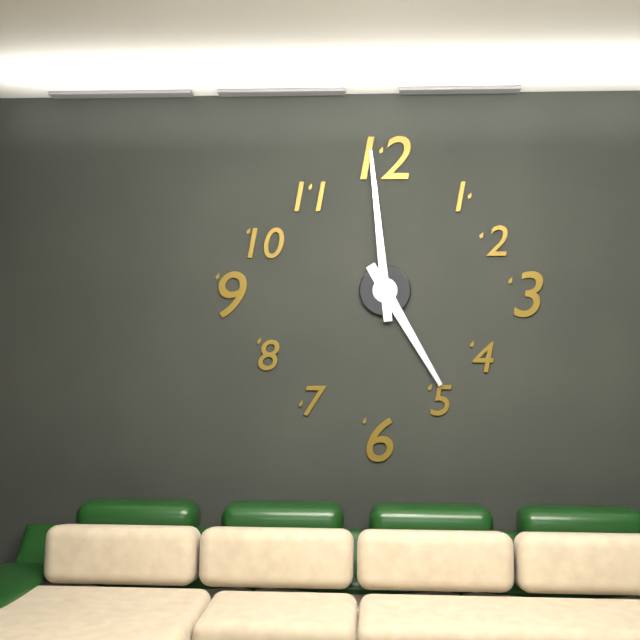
4:59
